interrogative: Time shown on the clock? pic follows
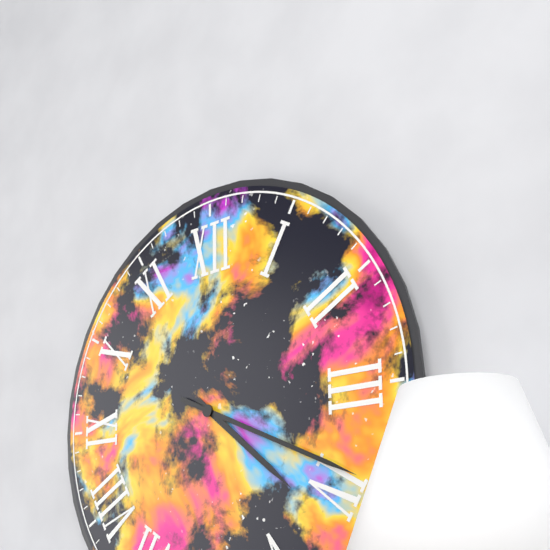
4:19
